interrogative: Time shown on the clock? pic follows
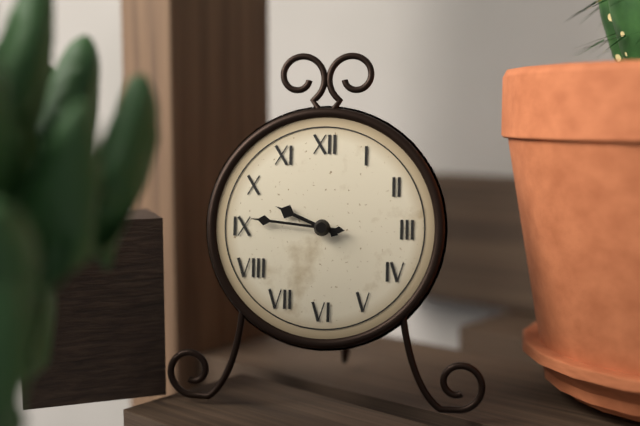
9:46
